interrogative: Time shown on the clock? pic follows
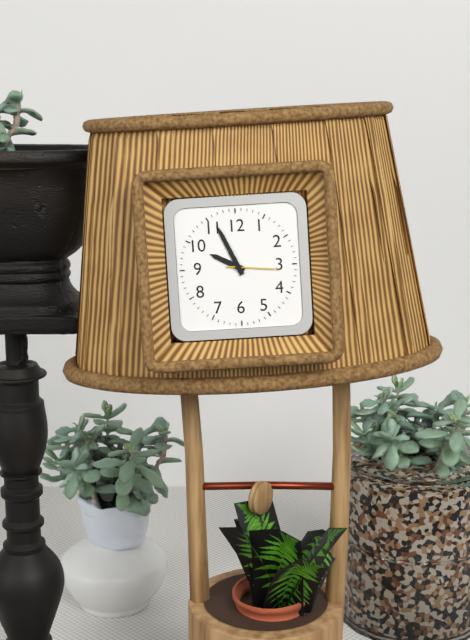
9:56:16
